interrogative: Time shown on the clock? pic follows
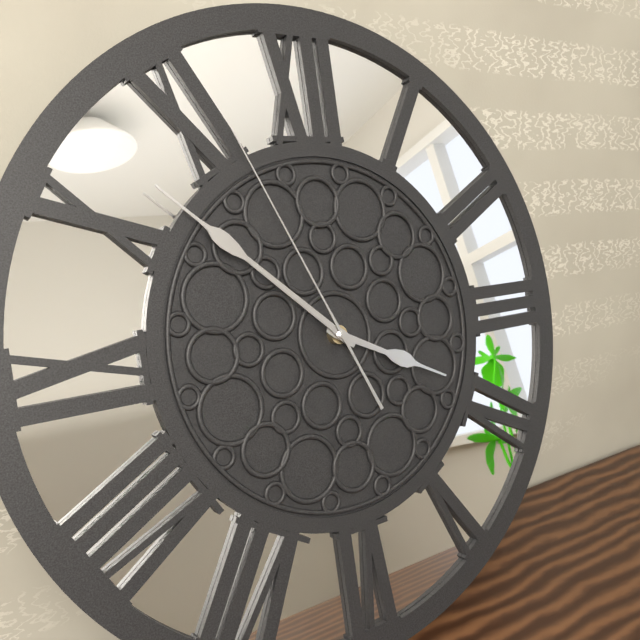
3:52:56
